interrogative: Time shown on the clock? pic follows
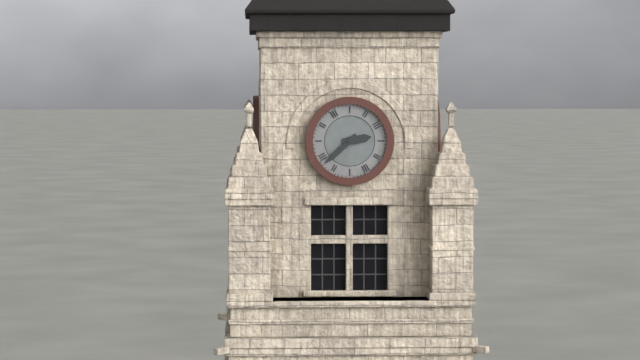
2:38
